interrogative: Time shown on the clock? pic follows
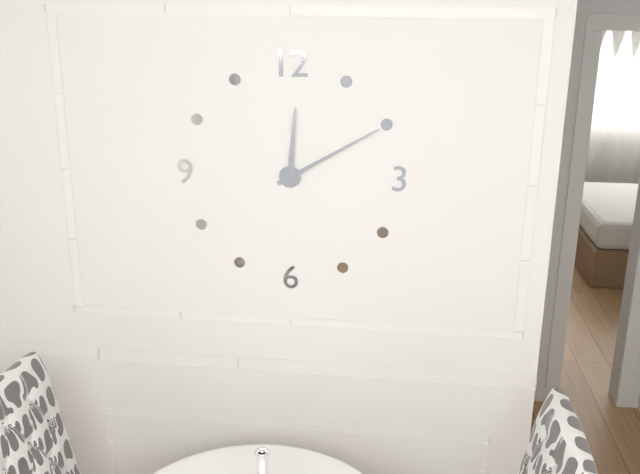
12:10
